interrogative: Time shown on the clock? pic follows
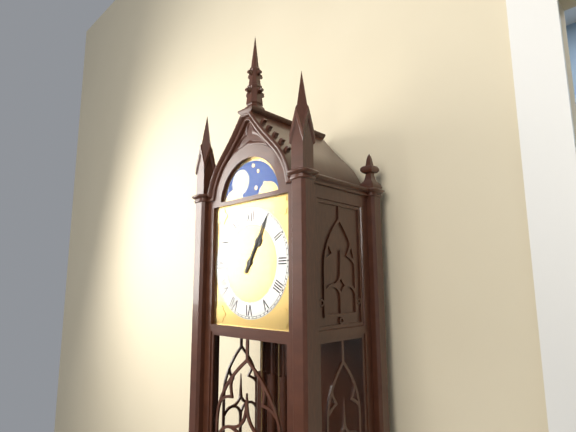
1:05
